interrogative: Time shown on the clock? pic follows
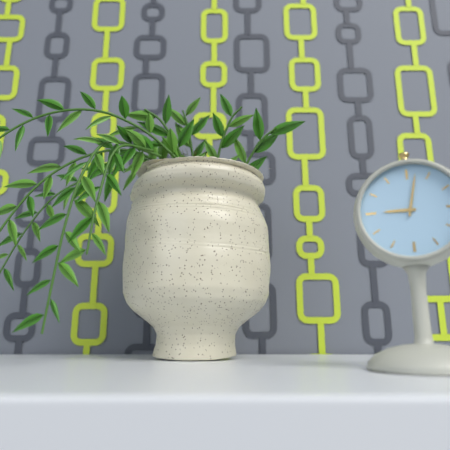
9:02
